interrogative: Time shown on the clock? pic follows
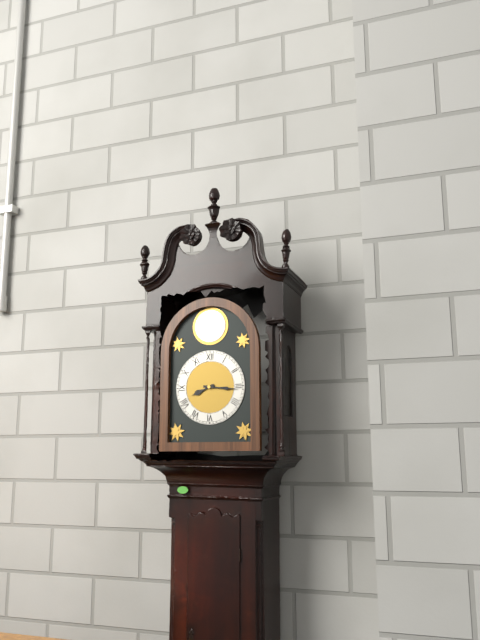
8:16
